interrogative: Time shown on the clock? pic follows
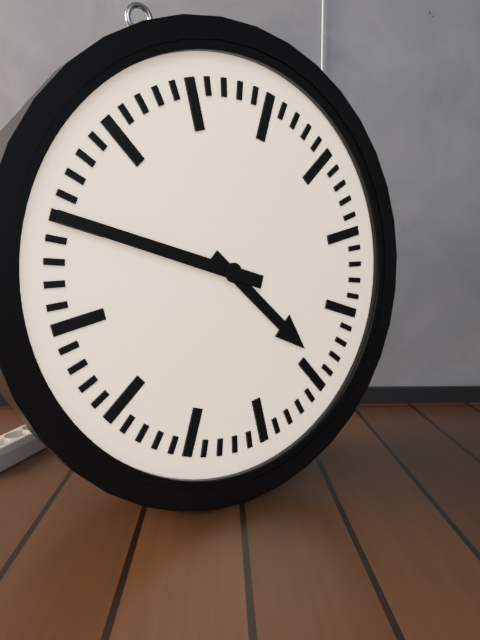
4:50
